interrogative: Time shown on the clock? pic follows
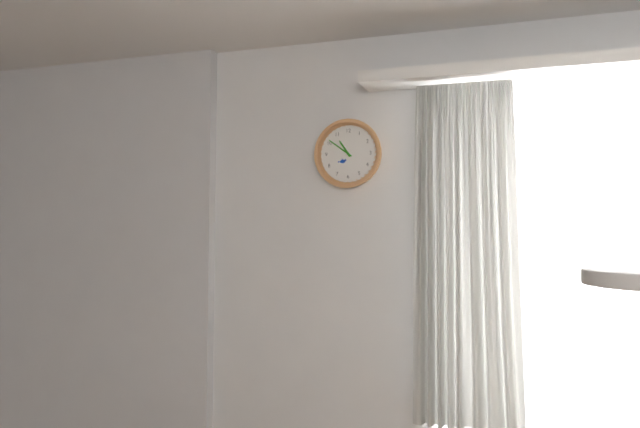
10:51
